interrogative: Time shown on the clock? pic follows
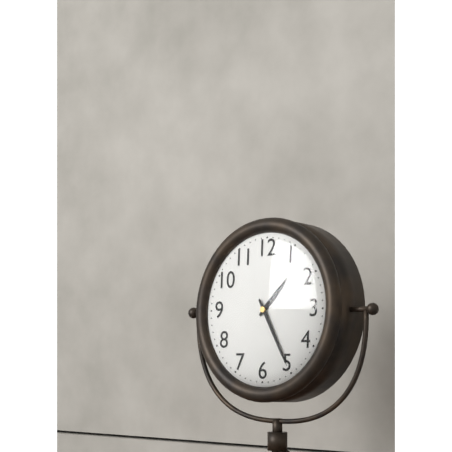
1:25
